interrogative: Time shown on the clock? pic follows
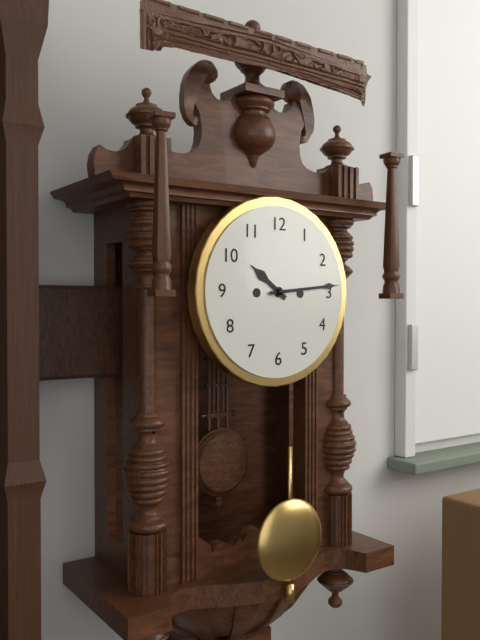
10:14
